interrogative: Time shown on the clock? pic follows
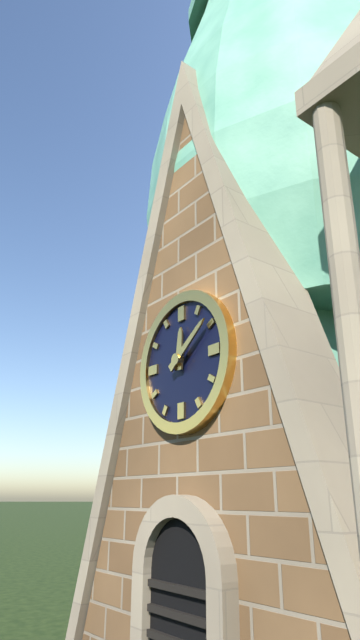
12:09
